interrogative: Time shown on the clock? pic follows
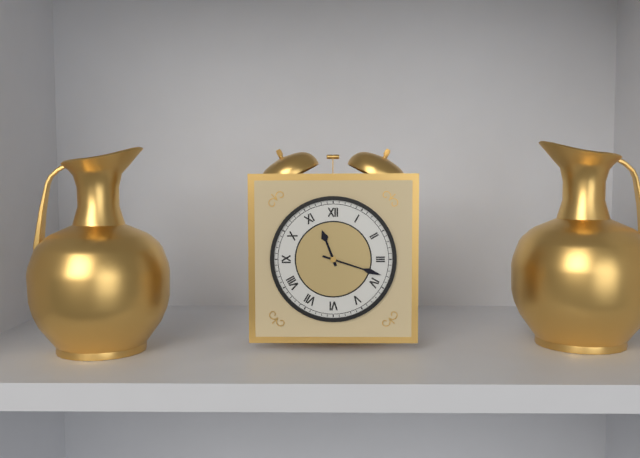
11:18
